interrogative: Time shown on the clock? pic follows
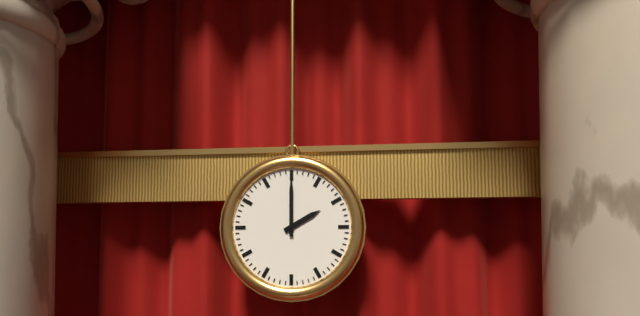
2:00
